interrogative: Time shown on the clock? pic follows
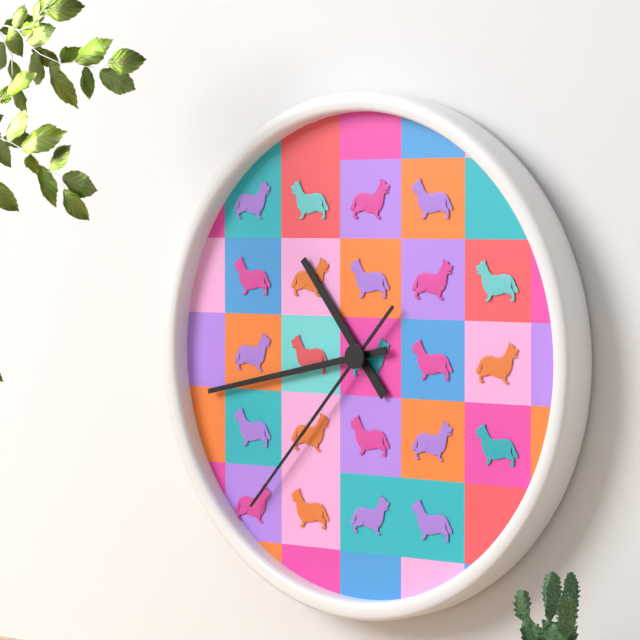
10:43:37
